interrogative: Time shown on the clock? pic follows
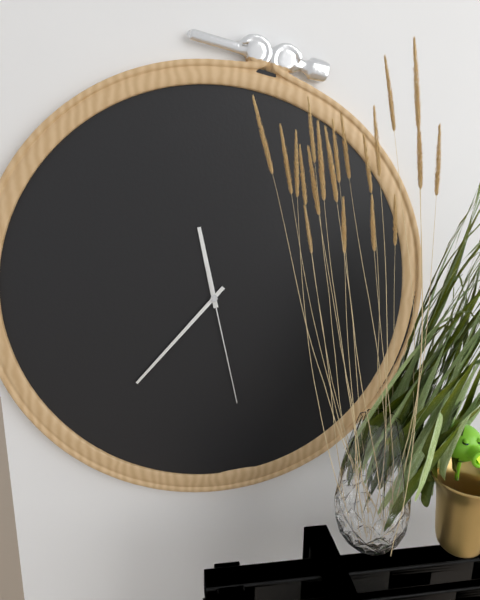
11:37:28
